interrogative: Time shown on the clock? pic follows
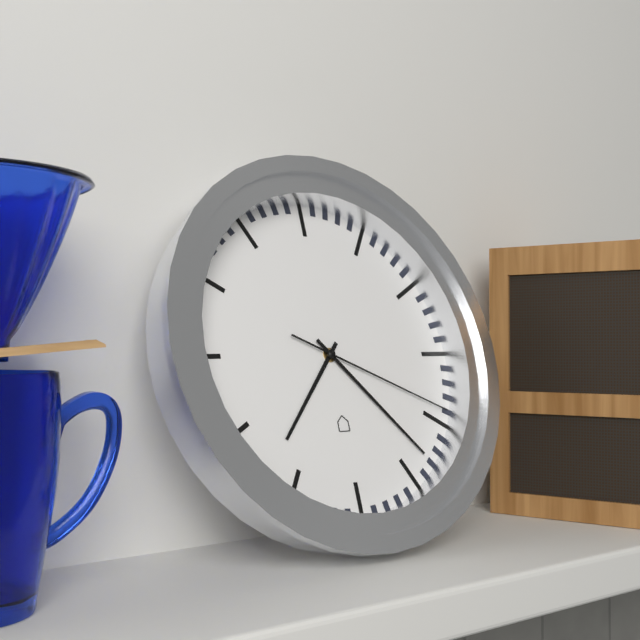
7:23:19
